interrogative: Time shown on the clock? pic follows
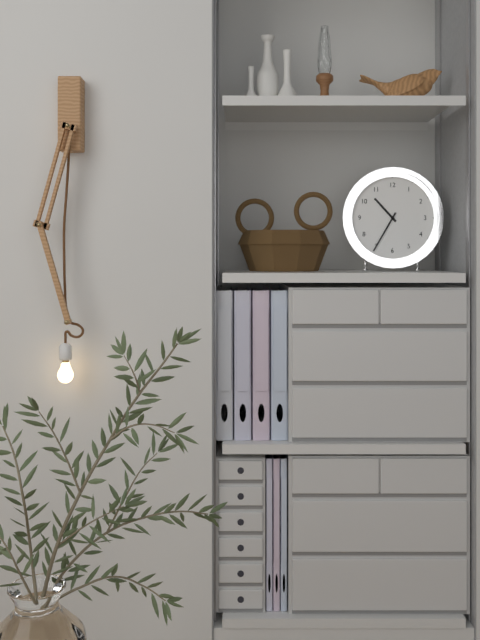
10:35
